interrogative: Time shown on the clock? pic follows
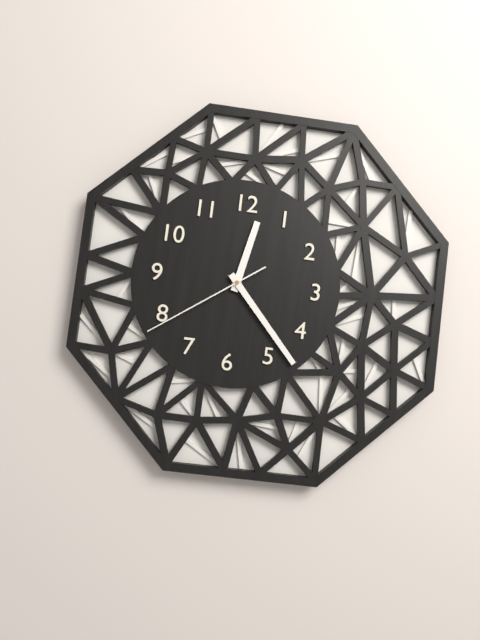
12:23:39
